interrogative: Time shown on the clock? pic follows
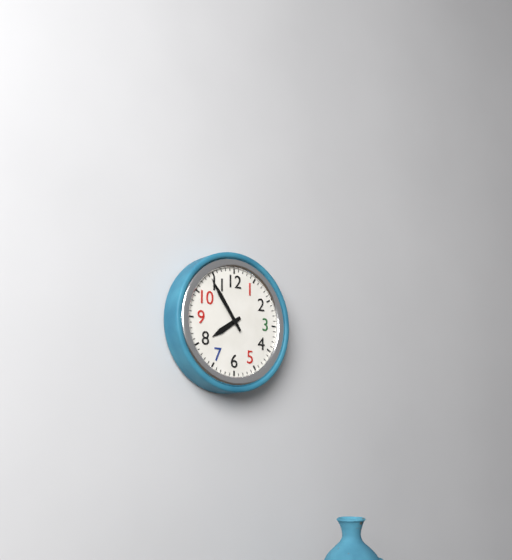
7:54
